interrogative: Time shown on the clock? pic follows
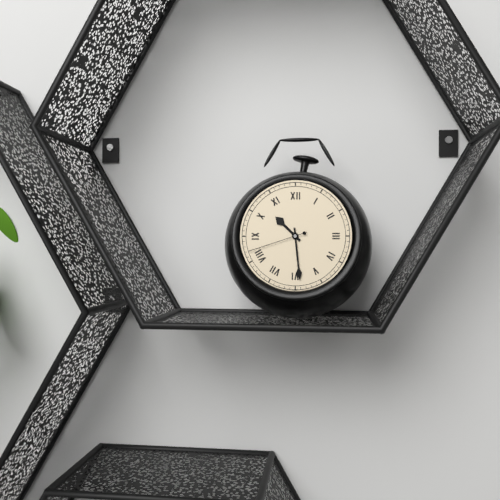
10:29:42
